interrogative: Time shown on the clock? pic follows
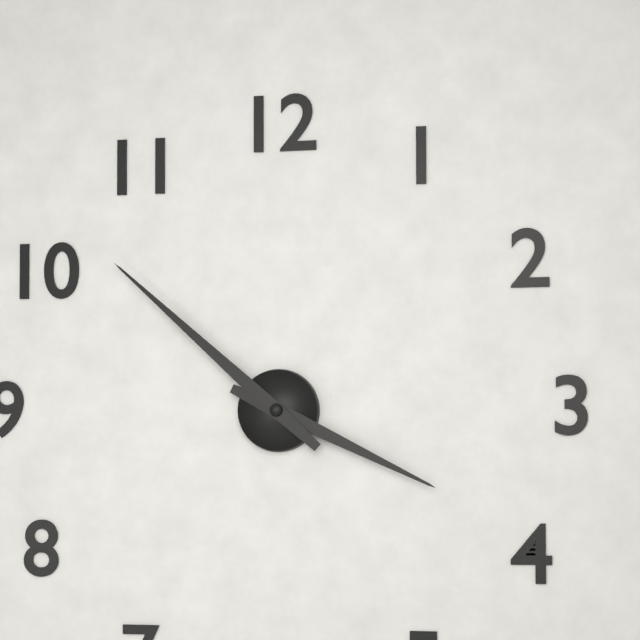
3:52
